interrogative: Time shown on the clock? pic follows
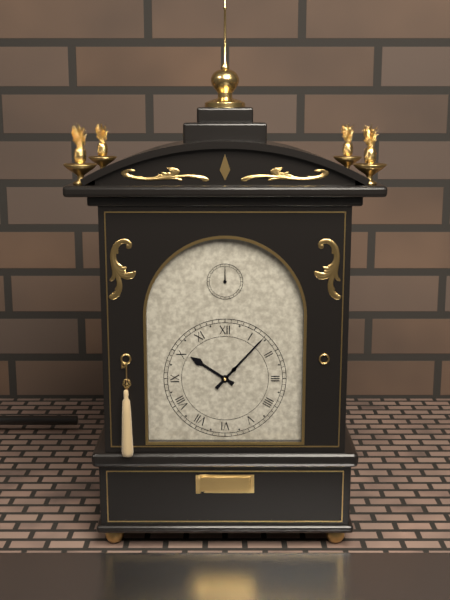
10:07
